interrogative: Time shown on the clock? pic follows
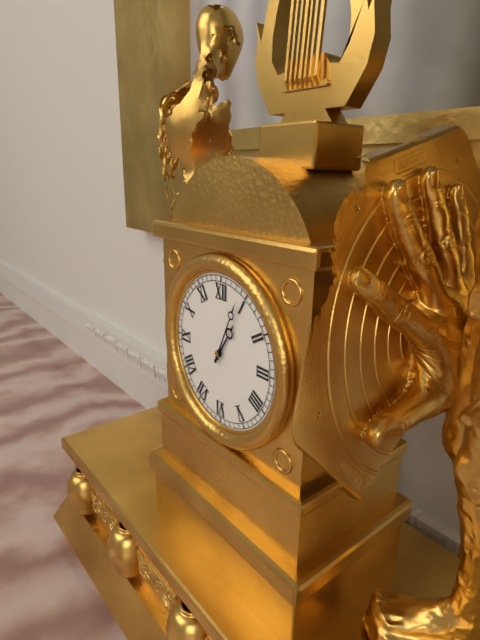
1:04
